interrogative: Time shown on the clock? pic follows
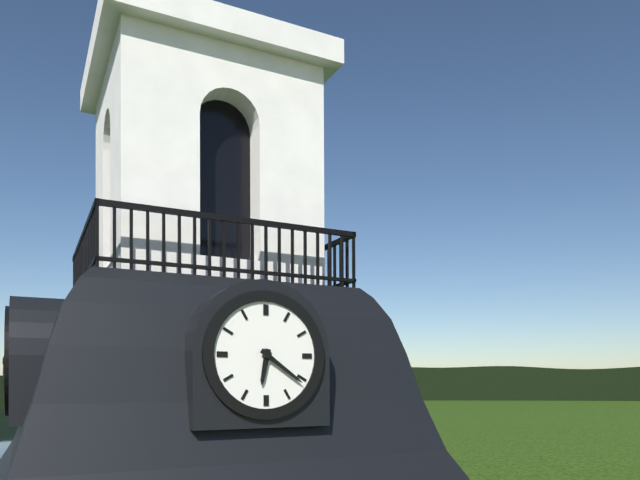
6:21
